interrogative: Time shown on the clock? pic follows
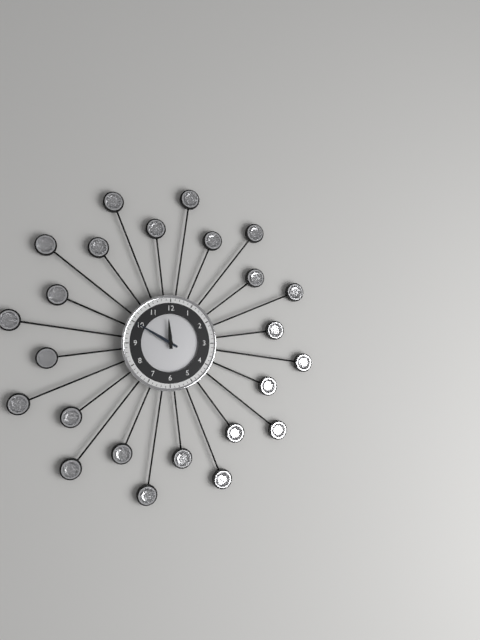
11:50
